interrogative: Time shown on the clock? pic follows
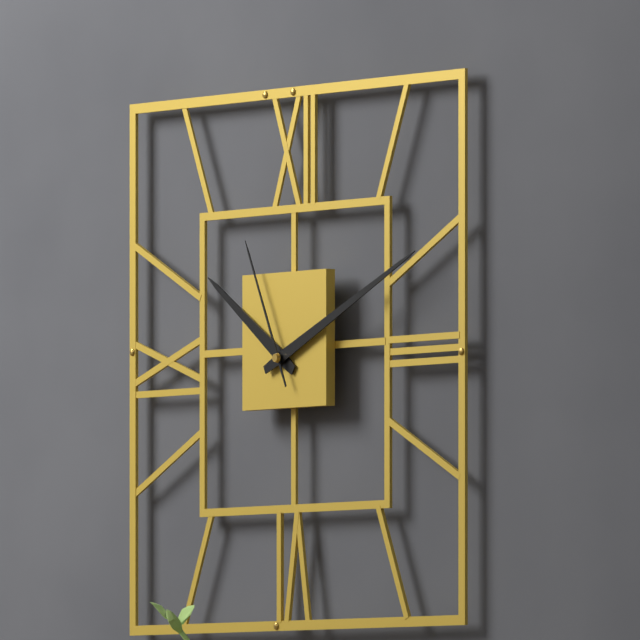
10:11:56
